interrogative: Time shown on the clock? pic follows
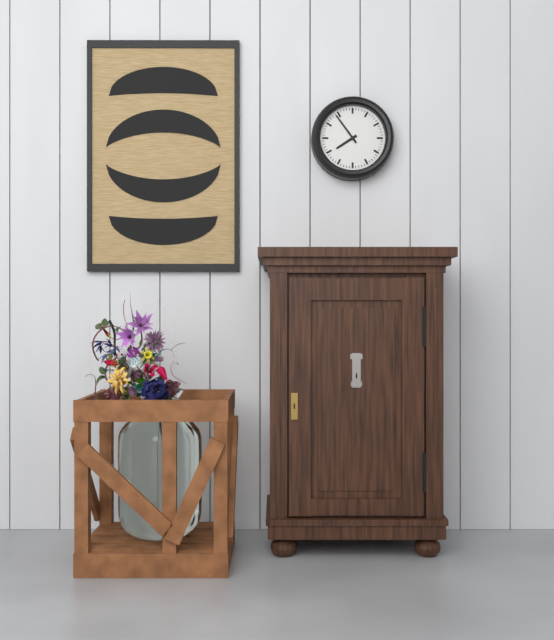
7:54
